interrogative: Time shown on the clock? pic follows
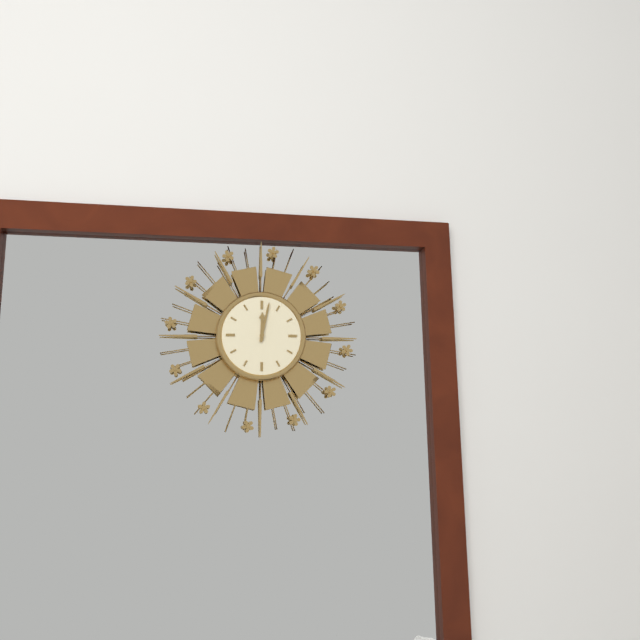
12:02
